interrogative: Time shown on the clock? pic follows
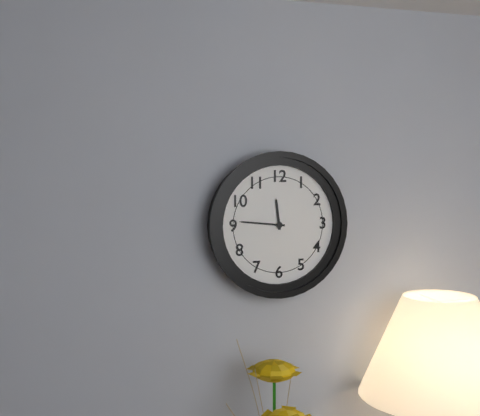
11:46
